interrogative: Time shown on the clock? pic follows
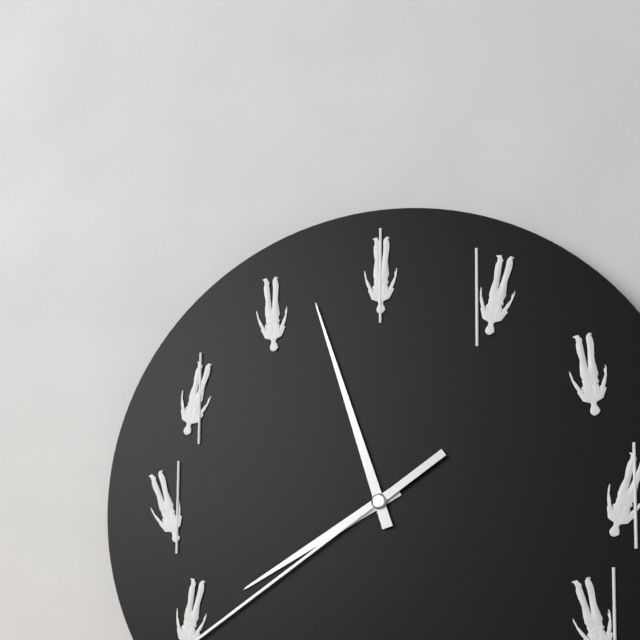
7:57
